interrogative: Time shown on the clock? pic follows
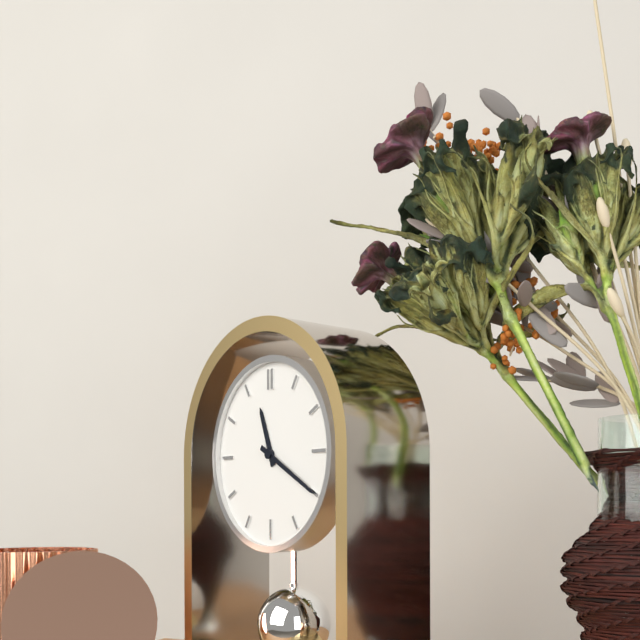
11:20
